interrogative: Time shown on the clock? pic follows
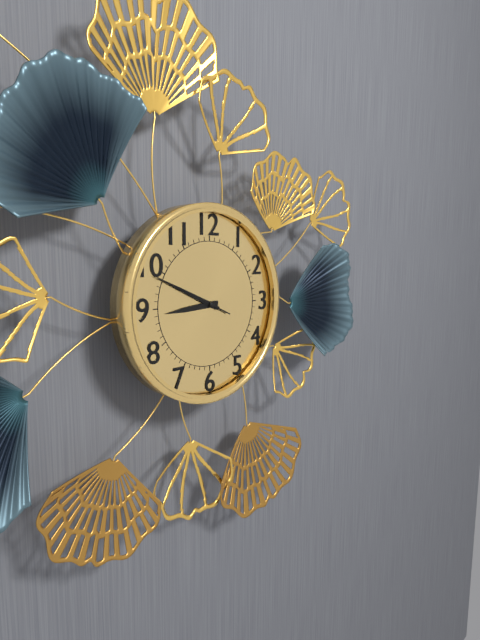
8:49:49
